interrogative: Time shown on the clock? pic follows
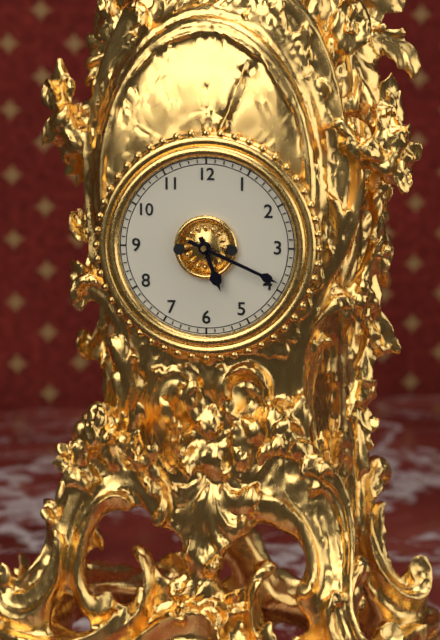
5:19
